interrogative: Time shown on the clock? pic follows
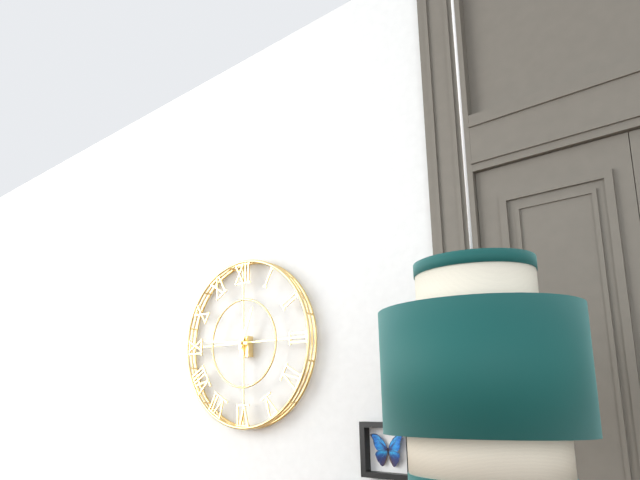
12:46
